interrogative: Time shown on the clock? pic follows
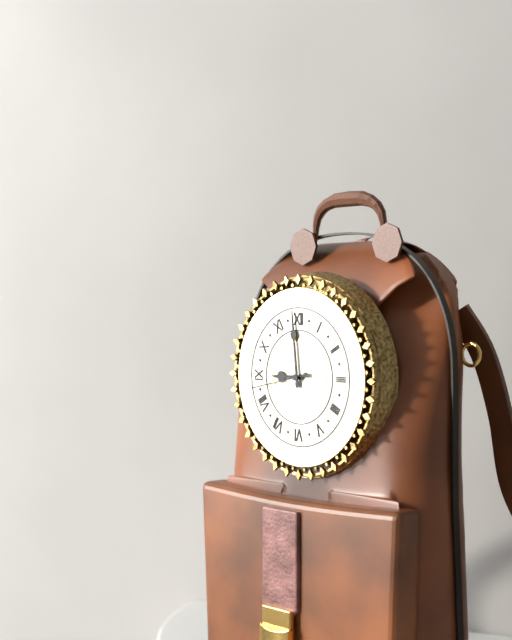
8:59:43
